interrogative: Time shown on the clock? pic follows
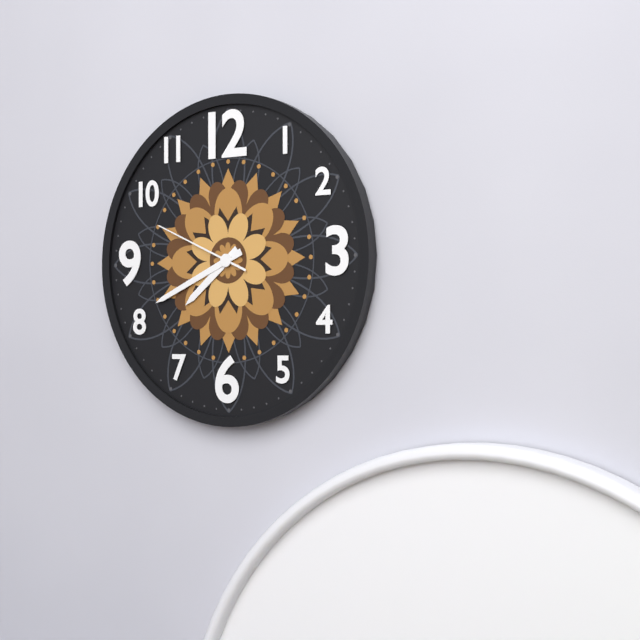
7:41:49
